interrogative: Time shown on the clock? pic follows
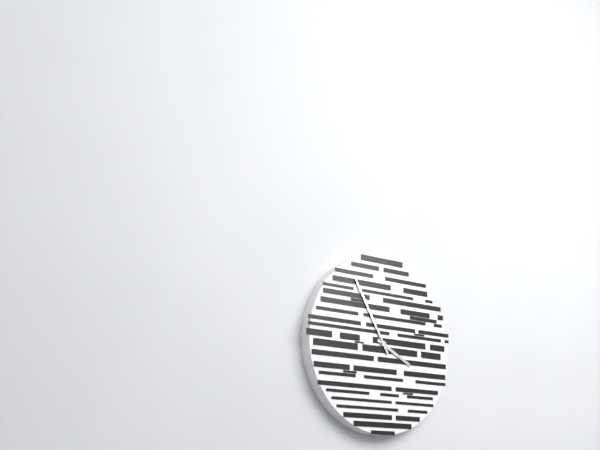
3:55
